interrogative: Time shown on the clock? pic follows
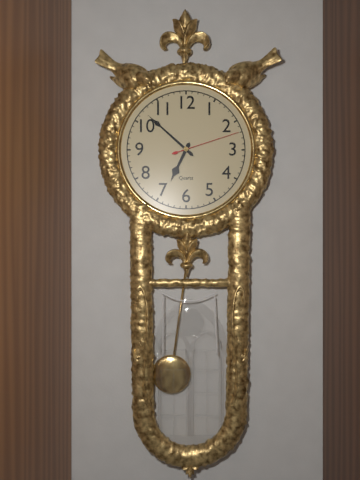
6:52:12
